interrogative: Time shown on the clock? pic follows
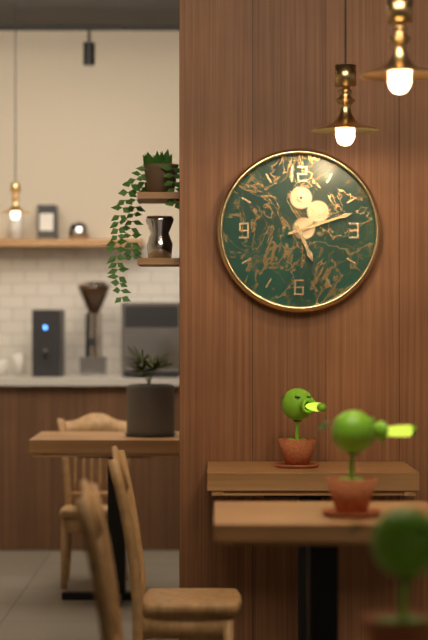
5:12
